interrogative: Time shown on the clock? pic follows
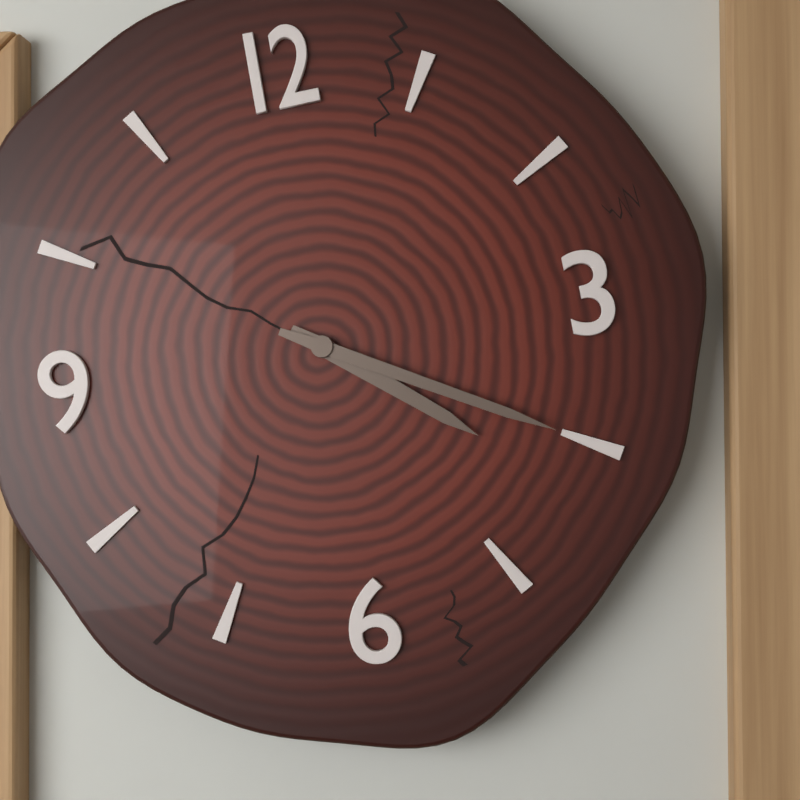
4:20
